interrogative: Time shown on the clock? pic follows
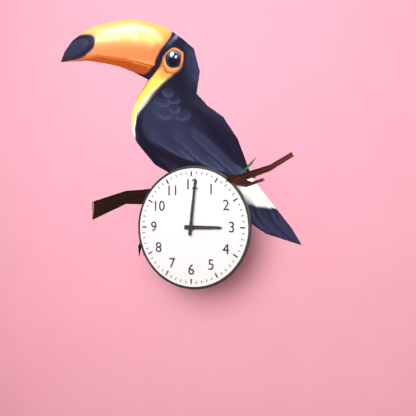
3:01
